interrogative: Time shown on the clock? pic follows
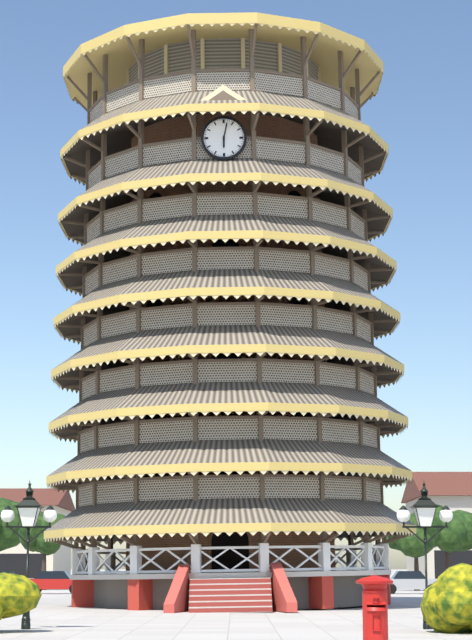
6:02
